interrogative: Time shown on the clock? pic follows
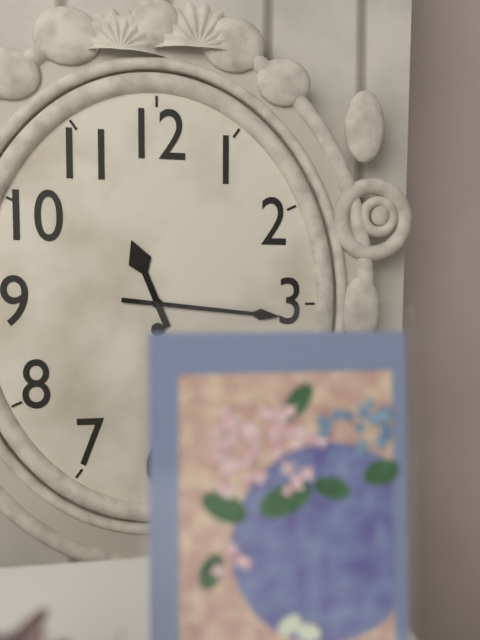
11:16
